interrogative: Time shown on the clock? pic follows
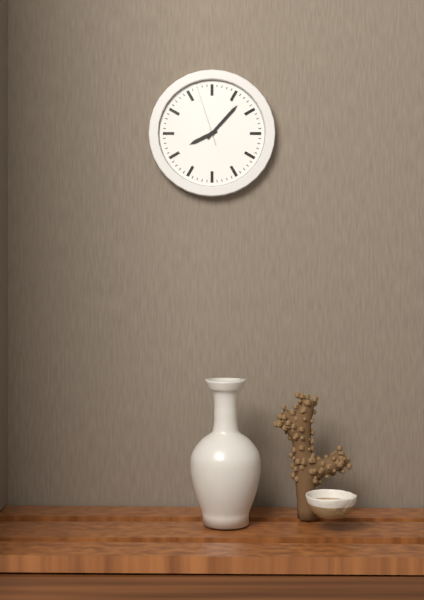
8:07:57
